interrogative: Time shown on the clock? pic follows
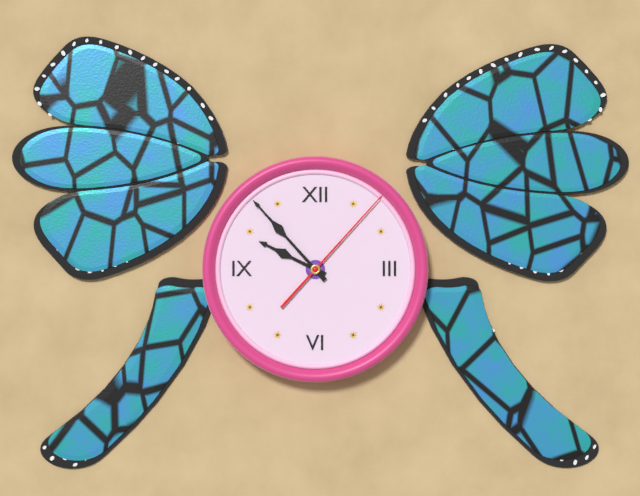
9:53:07
